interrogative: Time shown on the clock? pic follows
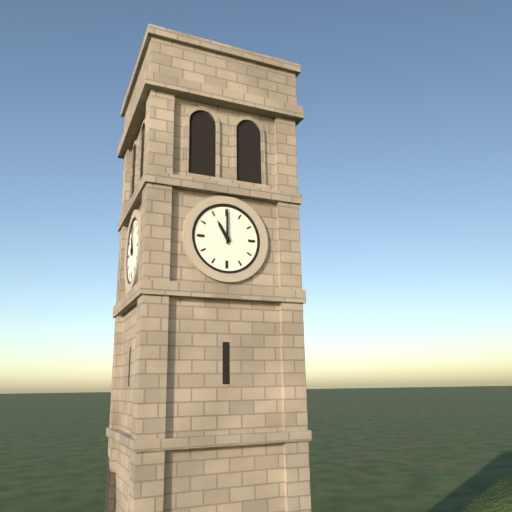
11:00
